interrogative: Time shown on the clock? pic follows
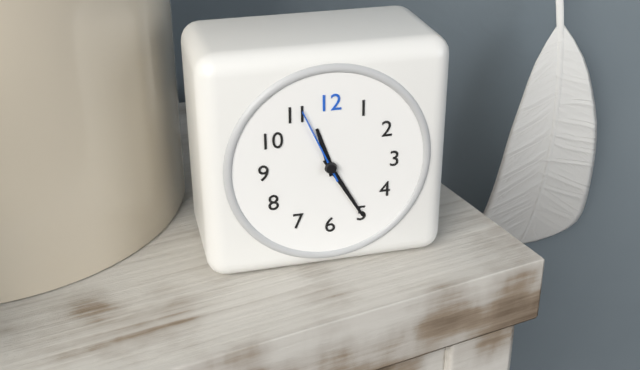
11:25:56
